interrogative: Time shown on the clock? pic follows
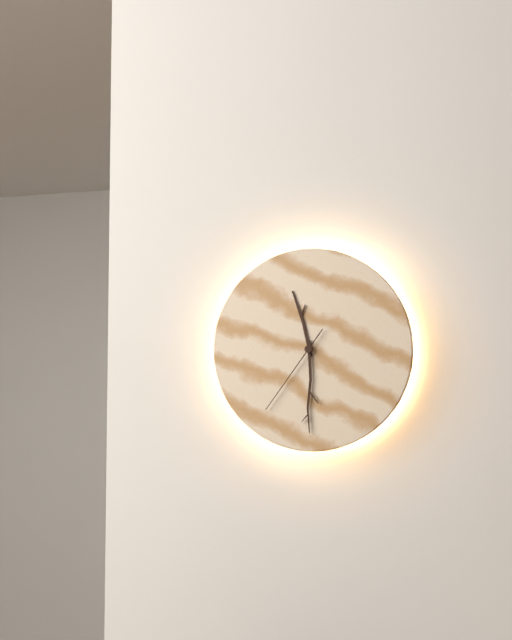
11:30:36
